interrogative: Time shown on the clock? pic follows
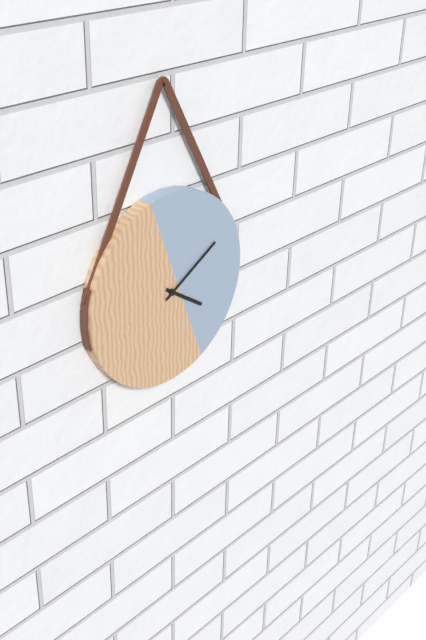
4:10
